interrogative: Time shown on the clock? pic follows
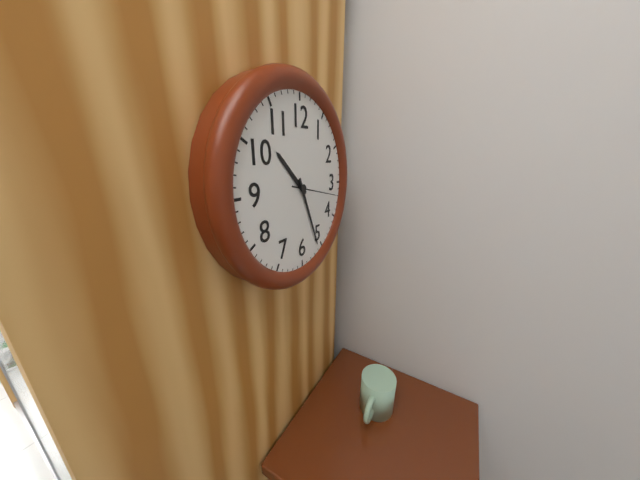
10:26
